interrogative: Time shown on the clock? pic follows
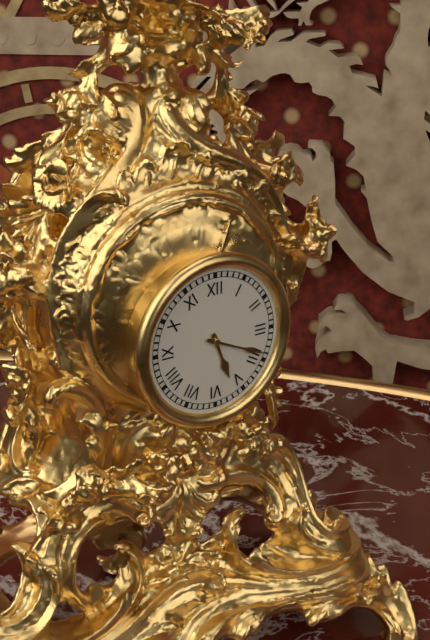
5:19
